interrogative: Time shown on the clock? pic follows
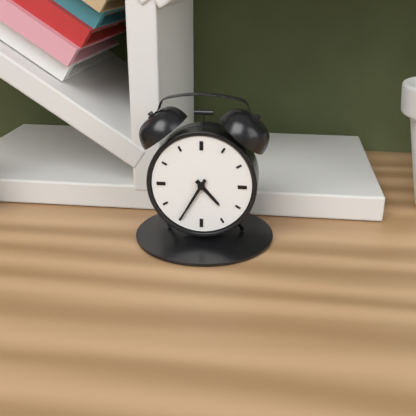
4:35
